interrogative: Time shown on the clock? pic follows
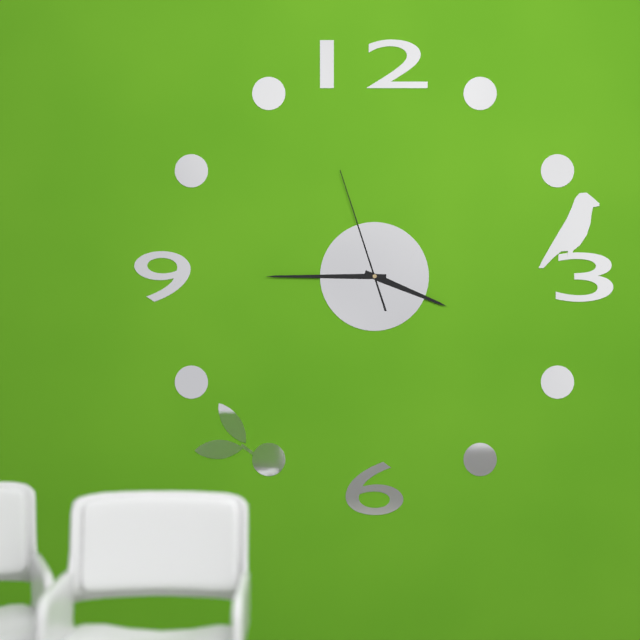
3:45:57
